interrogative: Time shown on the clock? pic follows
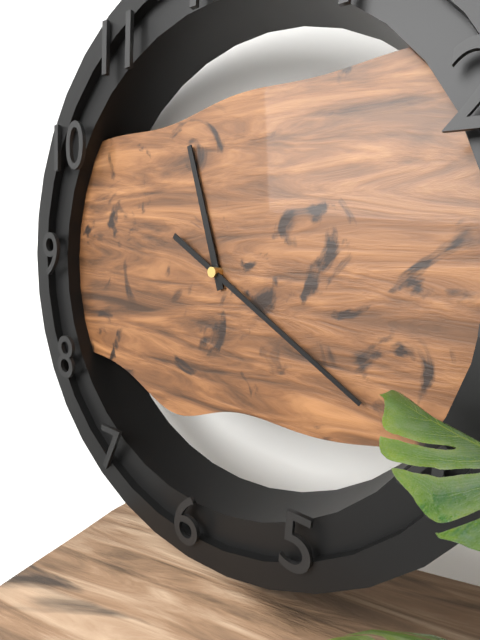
11:20
